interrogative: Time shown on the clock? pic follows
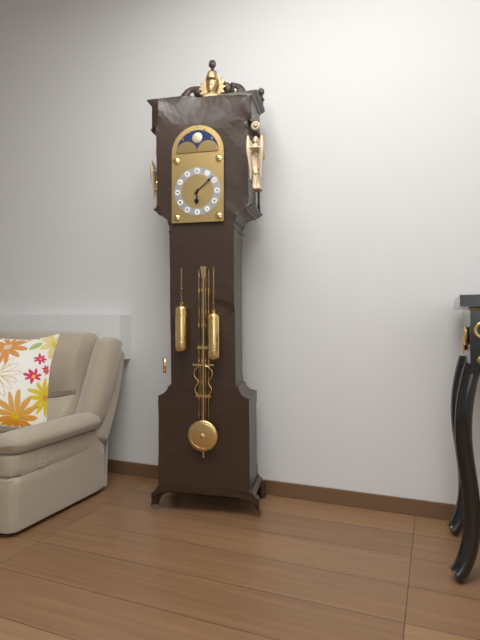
6:08
